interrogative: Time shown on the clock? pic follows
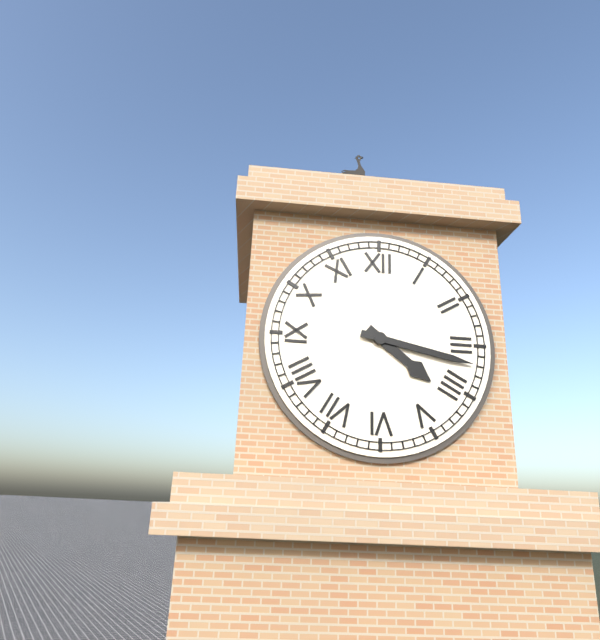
4:17
